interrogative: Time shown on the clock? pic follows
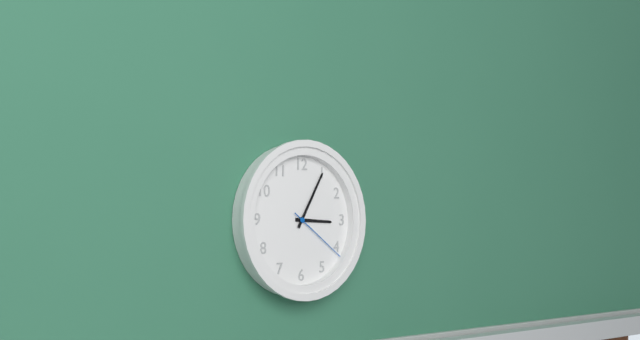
3:05:21
